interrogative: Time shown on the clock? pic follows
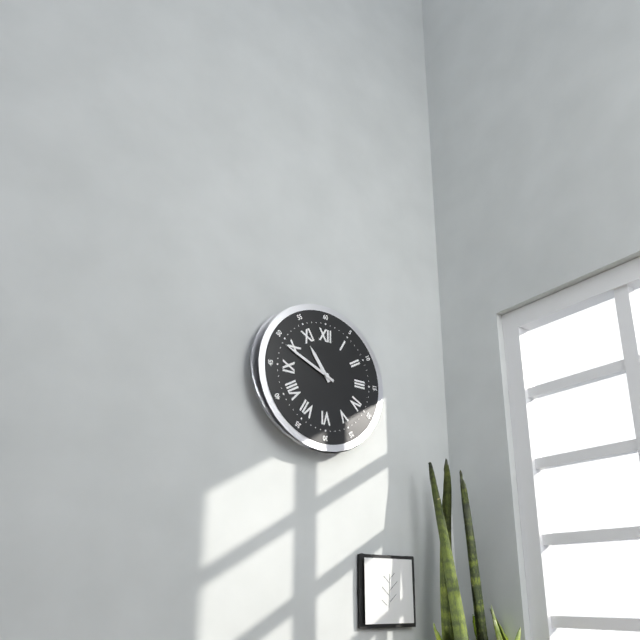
10:49
